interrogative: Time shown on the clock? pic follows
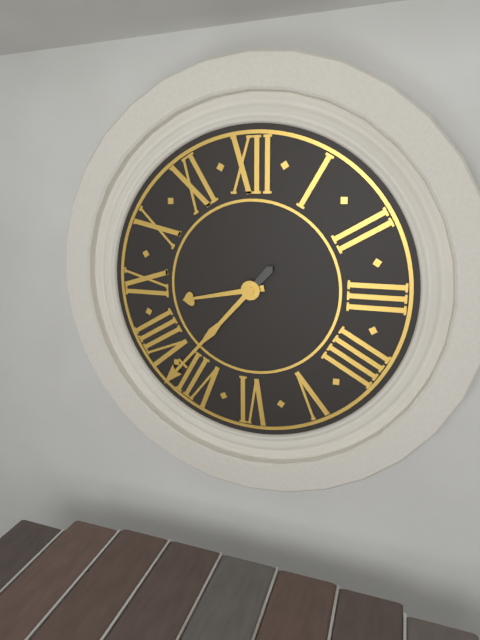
8:37
